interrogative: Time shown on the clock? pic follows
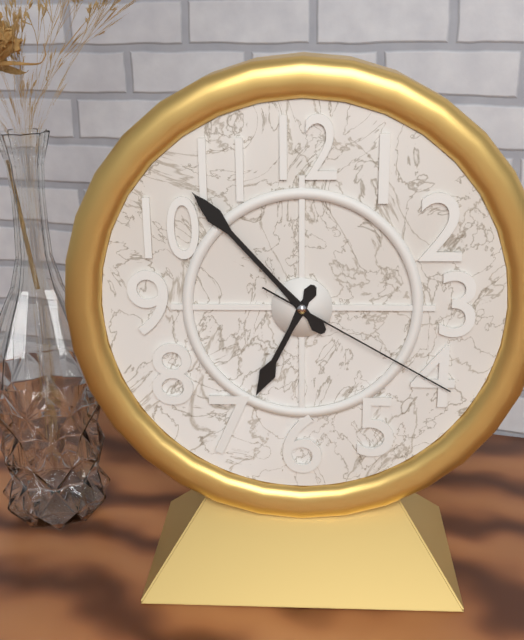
6:53:20
